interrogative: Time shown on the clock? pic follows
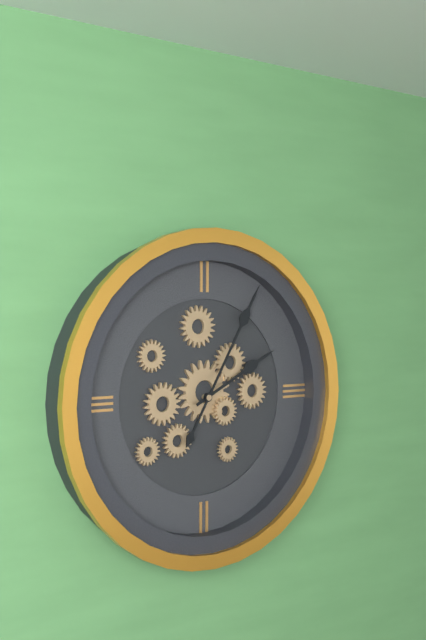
2:05
